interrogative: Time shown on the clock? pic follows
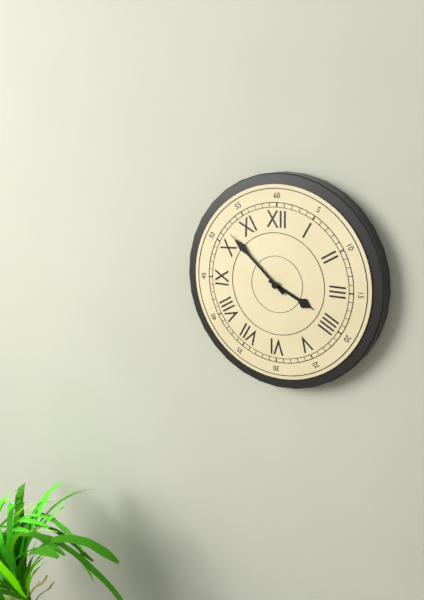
3:52
